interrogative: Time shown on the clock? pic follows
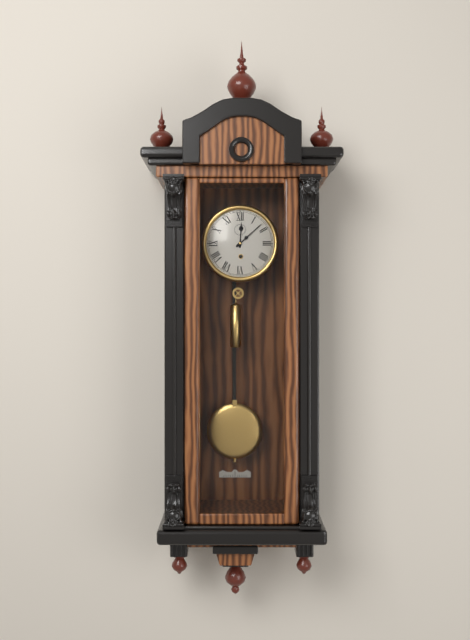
12:08
